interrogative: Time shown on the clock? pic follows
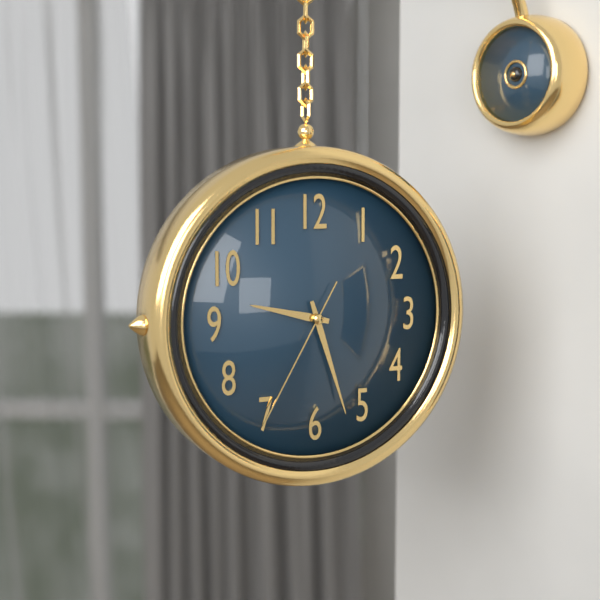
9:27:35
